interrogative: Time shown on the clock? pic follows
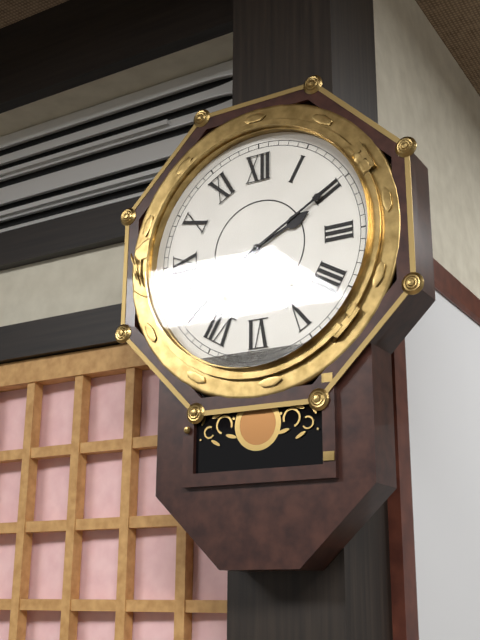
2:10
